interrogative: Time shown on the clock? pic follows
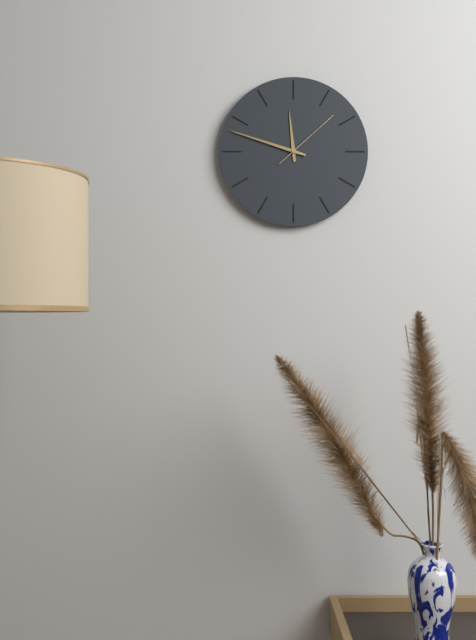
11:48:08
